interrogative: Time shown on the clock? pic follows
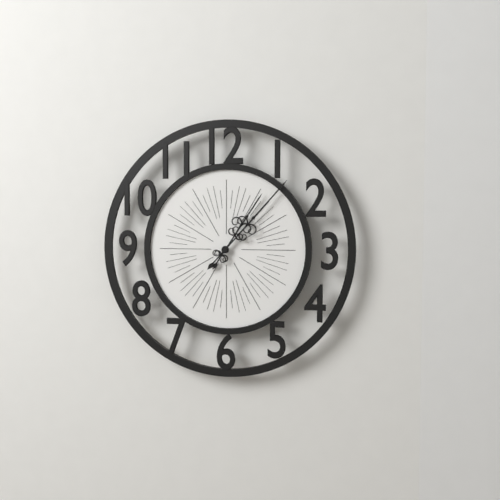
1:07
